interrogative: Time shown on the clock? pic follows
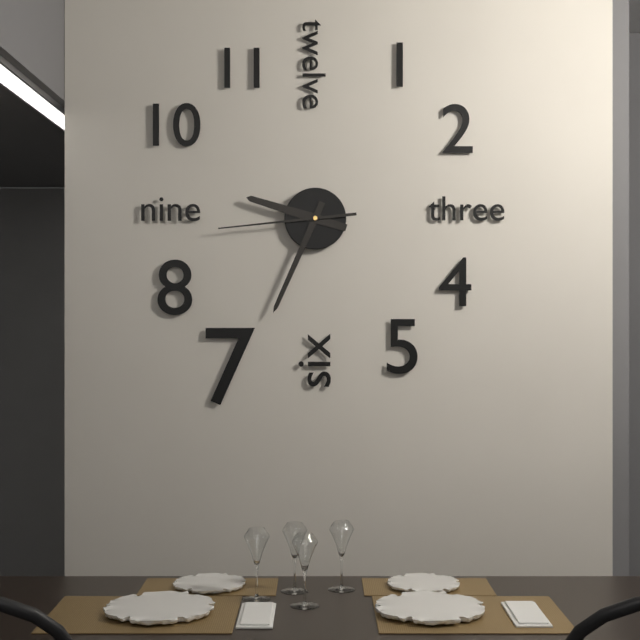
9:34:44
